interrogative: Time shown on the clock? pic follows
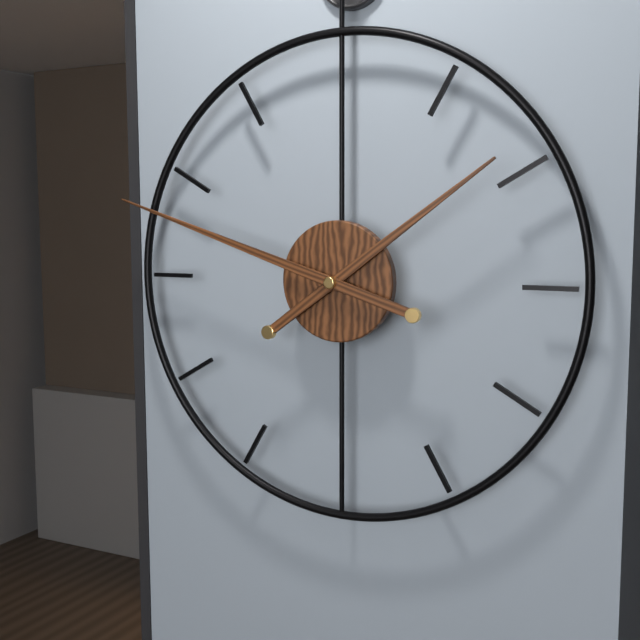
1:48
